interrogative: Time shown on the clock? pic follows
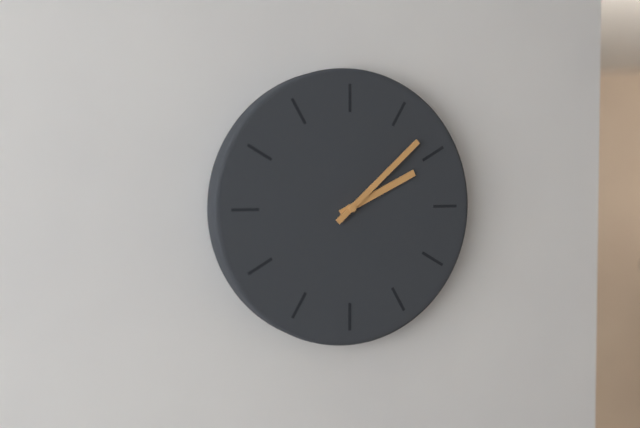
2:08
